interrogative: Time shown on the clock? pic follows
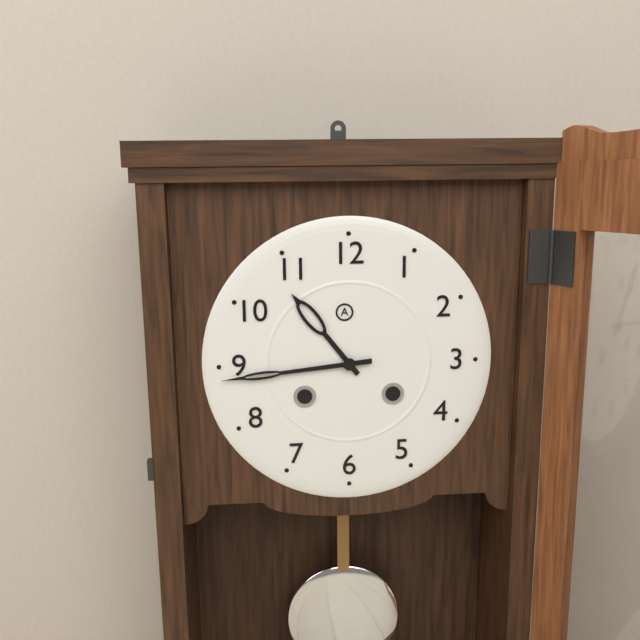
10:44
